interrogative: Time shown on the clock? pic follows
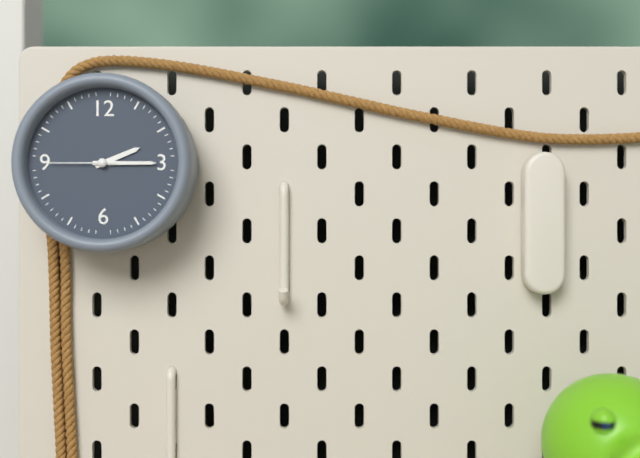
2:15:45
